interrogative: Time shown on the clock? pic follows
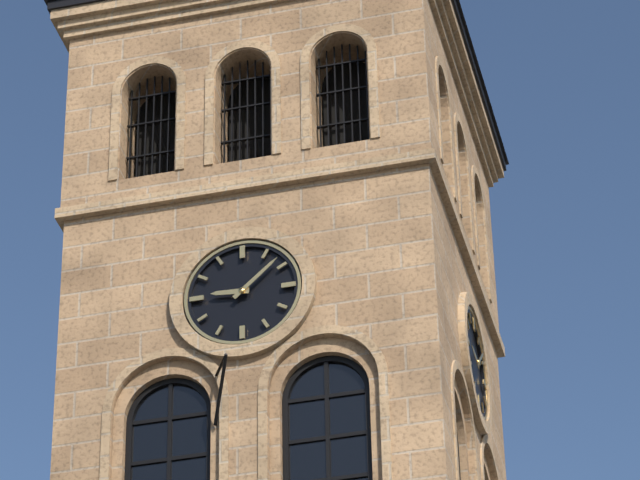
9:08
